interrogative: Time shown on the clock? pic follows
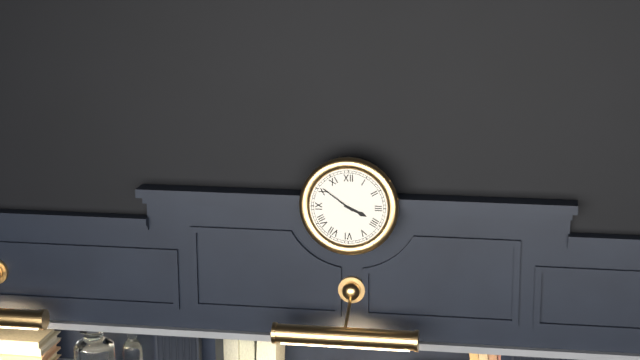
3:51
